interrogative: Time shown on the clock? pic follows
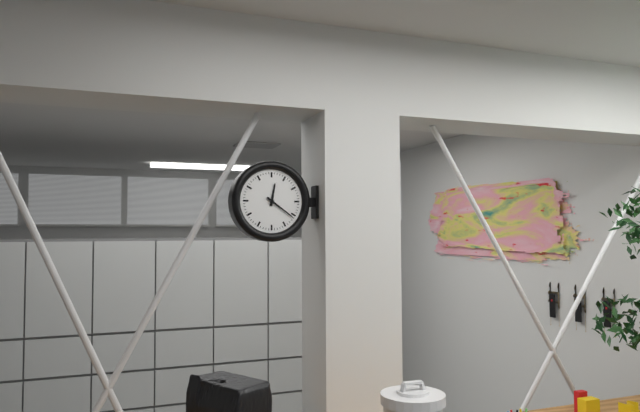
12:21
